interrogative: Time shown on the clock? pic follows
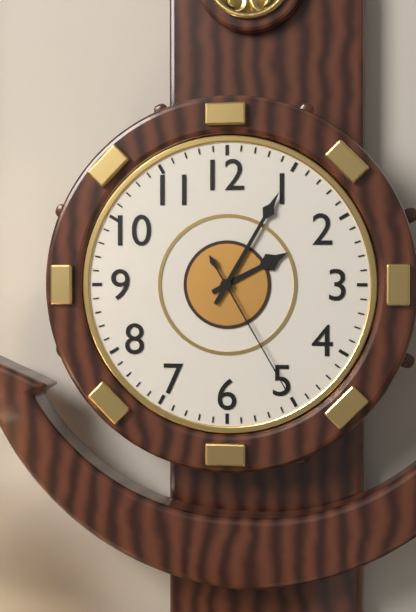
2:05:25
